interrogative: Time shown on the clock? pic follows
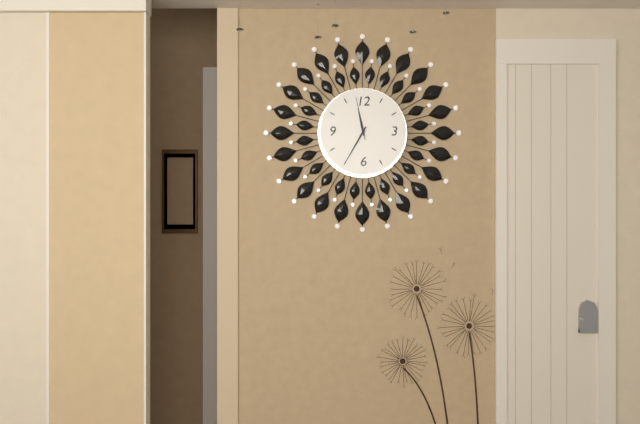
11:35
